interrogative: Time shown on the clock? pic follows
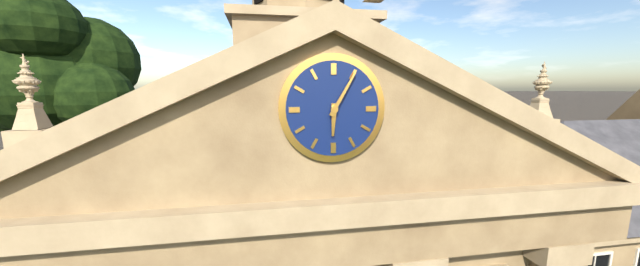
6:05
